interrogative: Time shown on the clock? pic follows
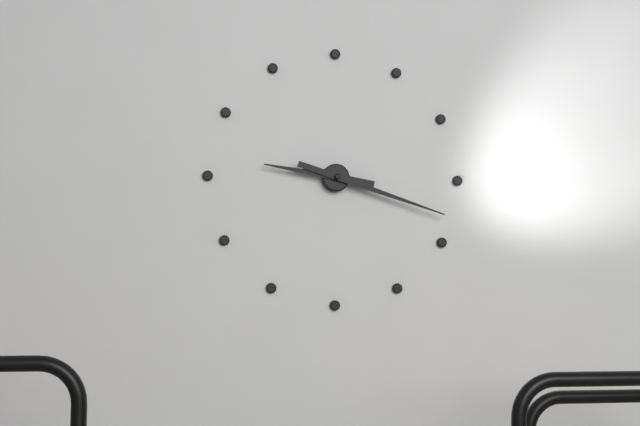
9:18
